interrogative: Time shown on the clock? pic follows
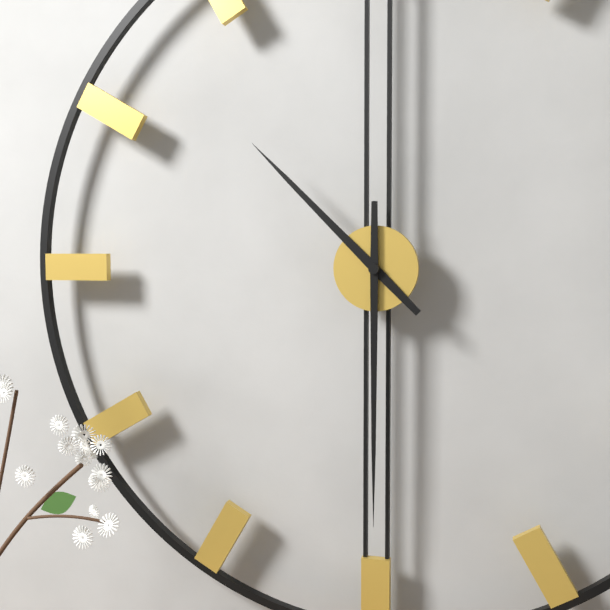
10:30
